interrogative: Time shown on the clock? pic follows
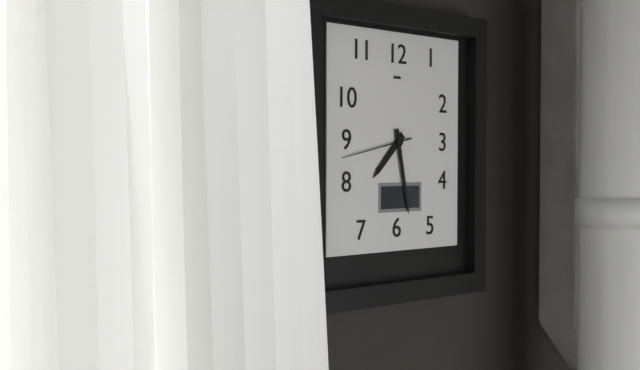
7:28:43
